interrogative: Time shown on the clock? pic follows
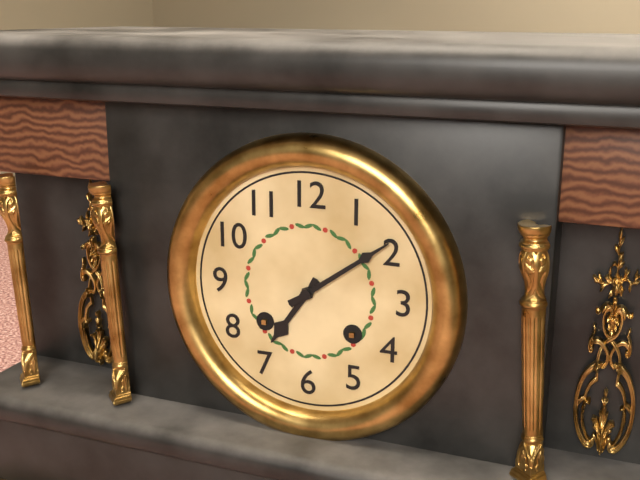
7:09
